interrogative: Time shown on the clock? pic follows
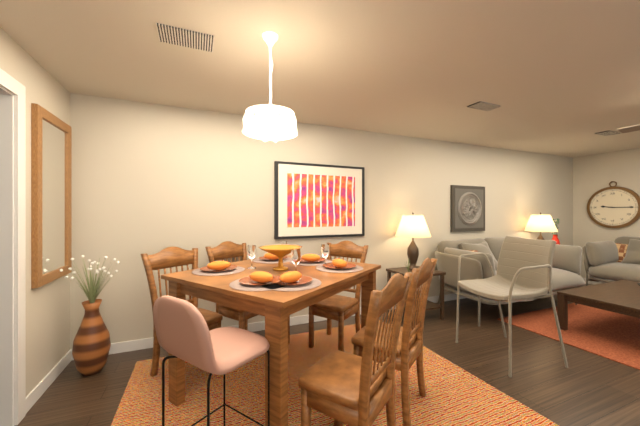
9:15
